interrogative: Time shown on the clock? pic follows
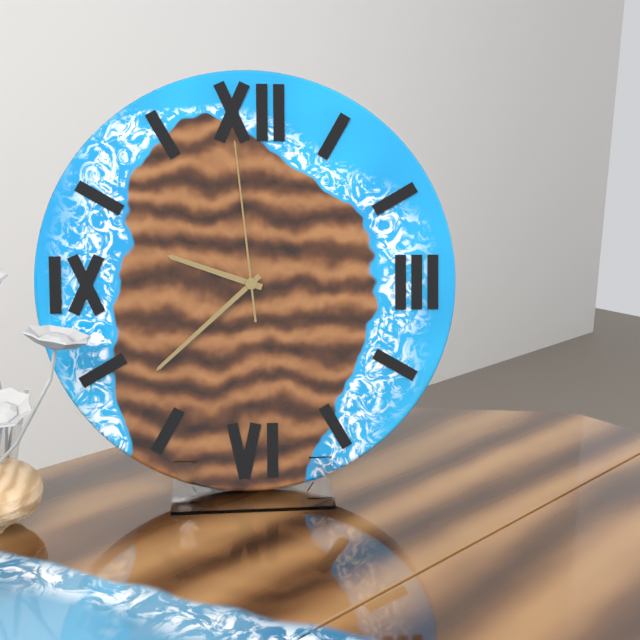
9:38:59
